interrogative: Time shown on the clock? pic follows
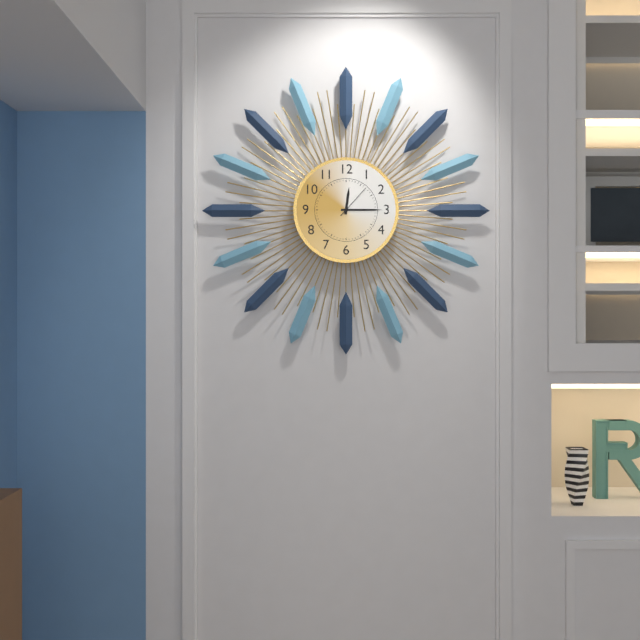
12:15
